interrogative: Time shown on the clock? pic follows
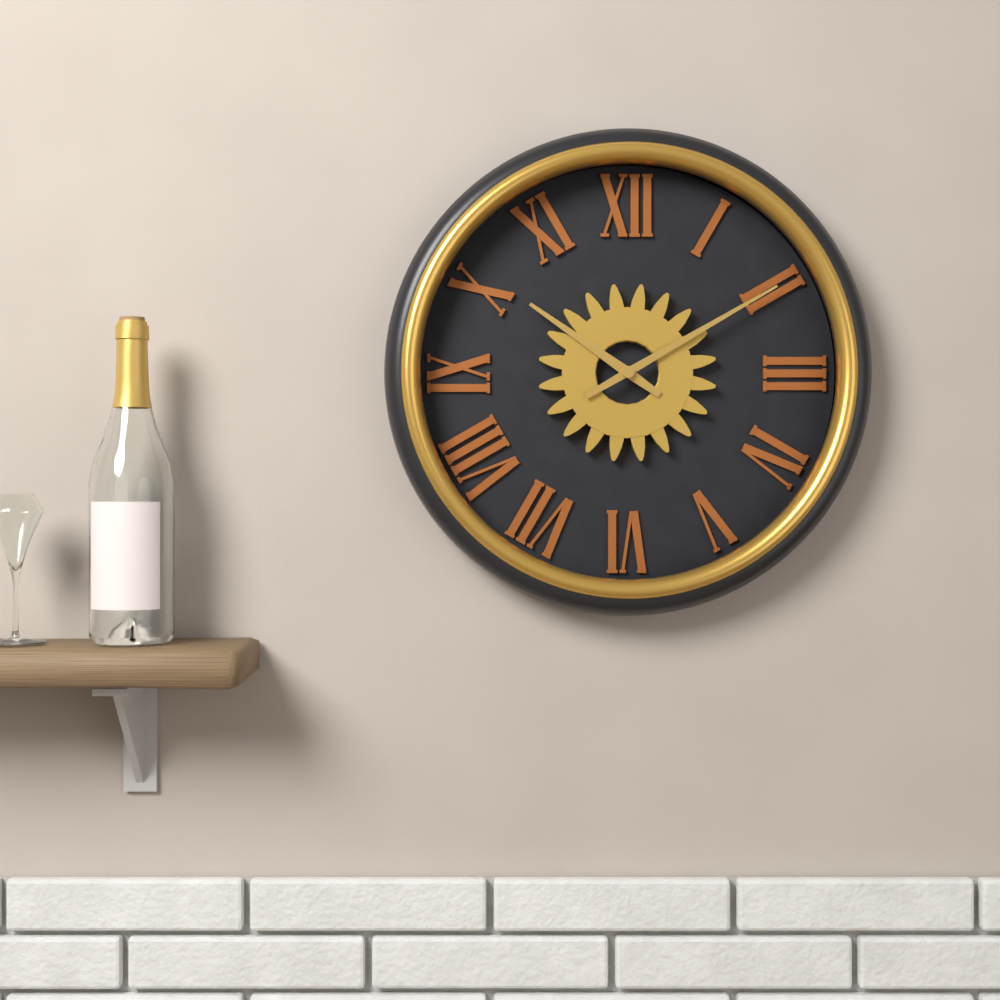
10:10
